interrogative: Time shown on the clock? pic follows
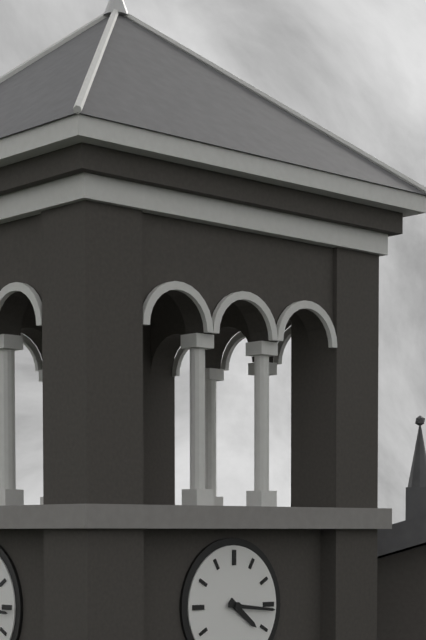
4:16
